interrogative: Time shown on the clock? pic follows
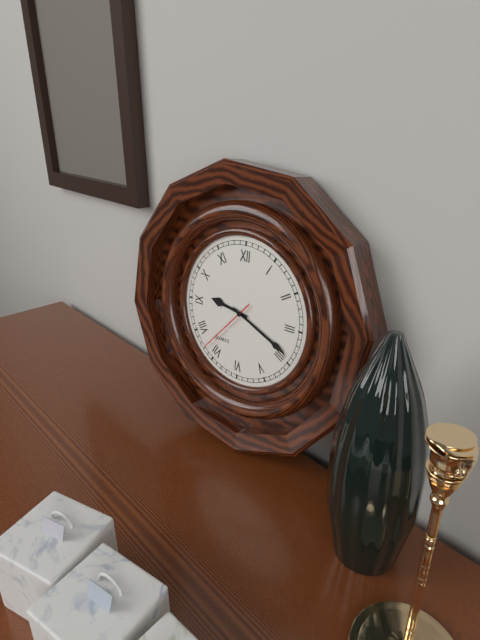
9:19:37
